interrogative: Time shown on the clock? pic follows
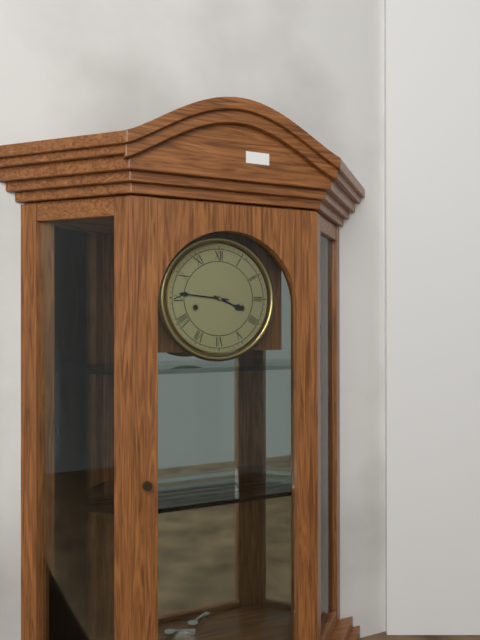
3:46
